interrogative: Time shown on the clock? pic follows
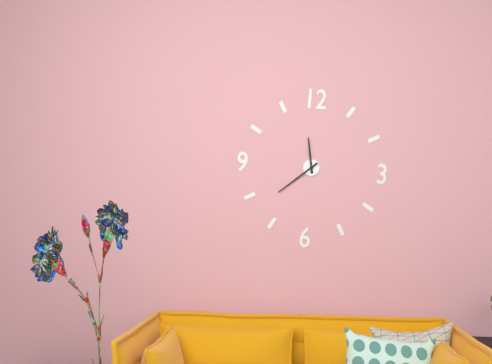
11:38
